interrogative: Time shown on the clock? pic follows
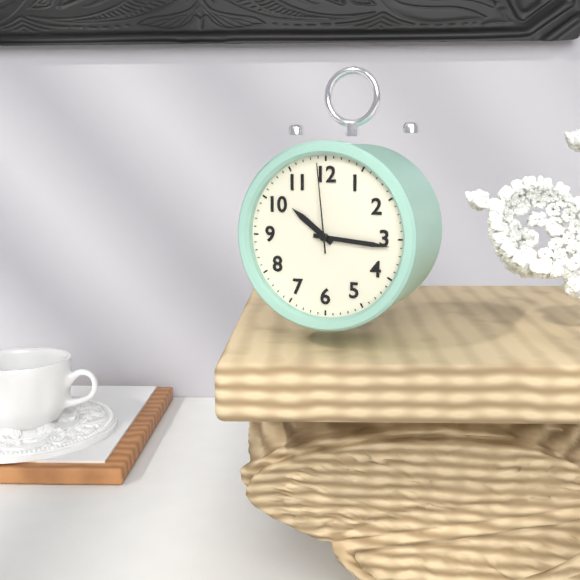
10:16:59
